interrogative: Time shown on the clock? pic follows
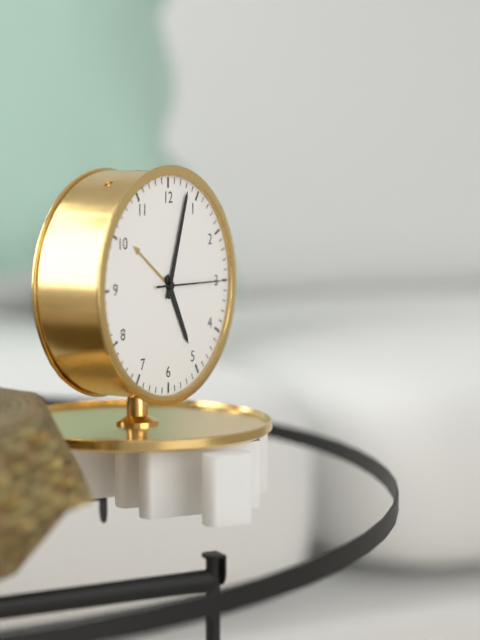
5:03:15
